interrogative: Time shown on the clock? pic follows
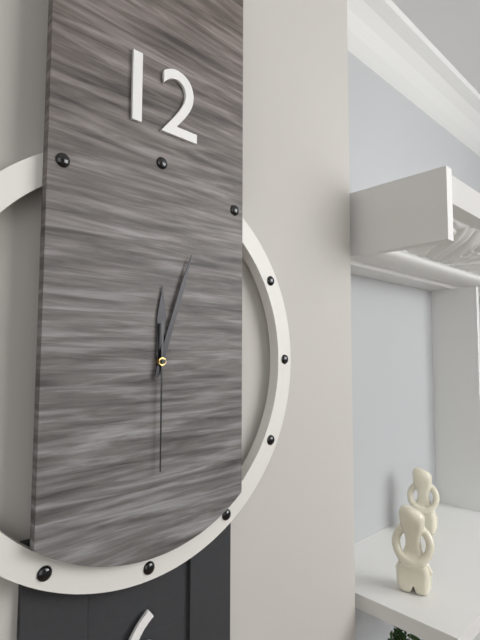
12:03:30
